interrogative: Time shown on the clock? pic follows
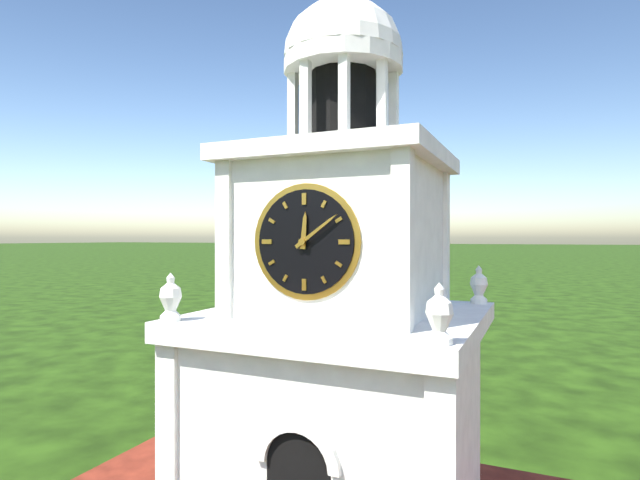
12:09
